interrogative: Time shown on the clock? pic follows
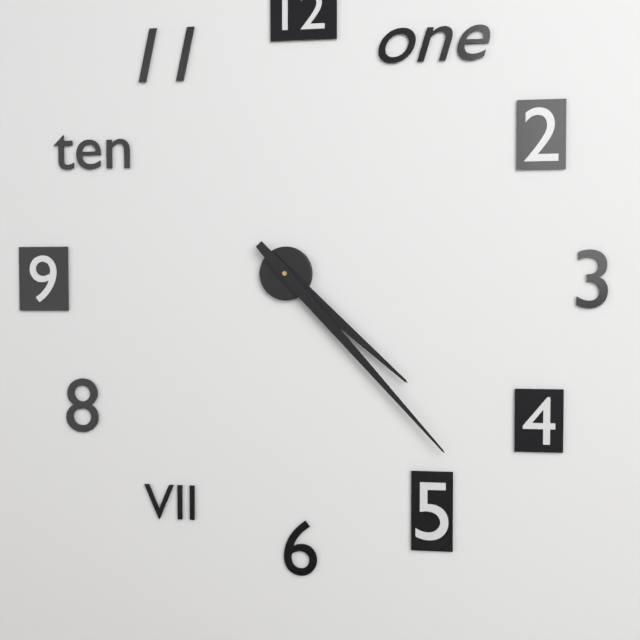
4:23
